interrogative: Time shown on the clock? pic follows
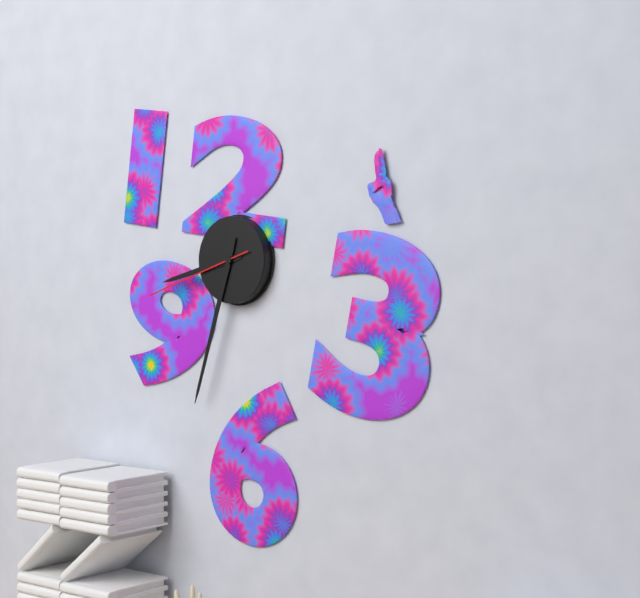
8:33:42
